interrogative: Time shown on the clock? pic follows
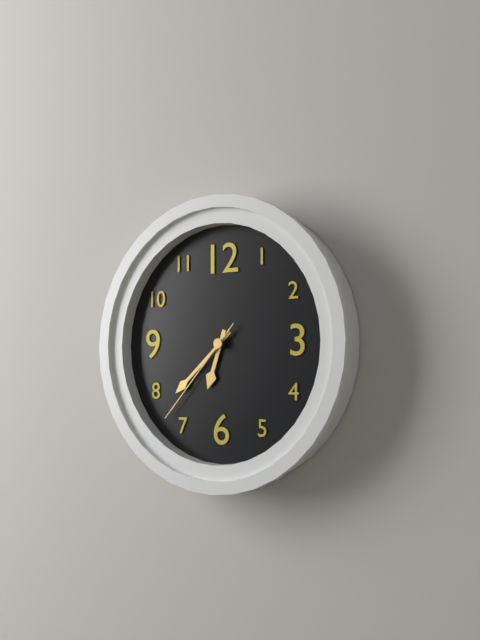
6:38:37
